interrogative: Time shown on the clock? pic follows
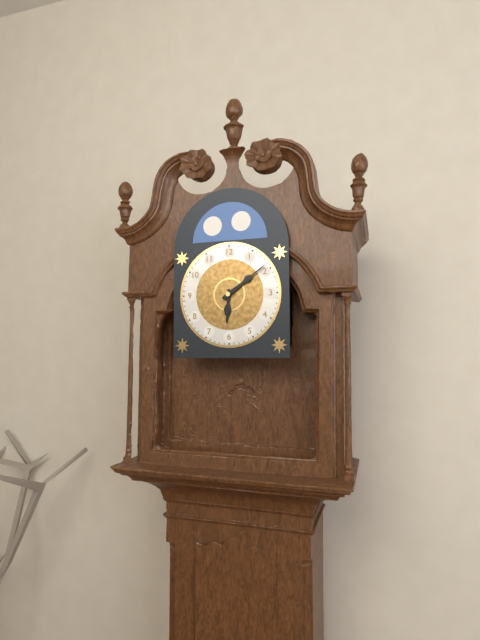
6:09
